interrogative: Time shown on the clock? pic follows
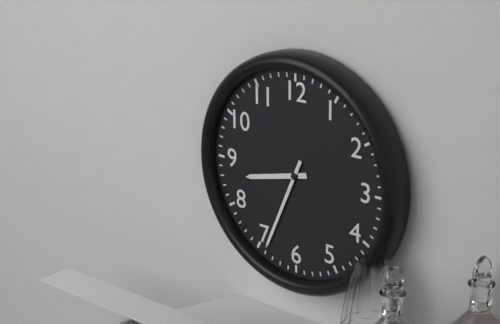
8:34
